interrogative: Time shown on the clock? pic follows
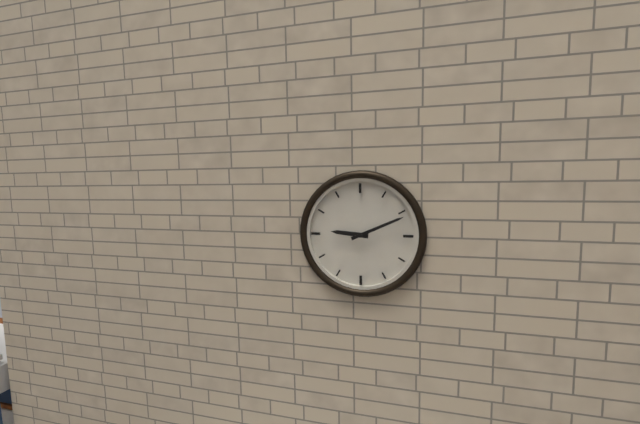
9:11
